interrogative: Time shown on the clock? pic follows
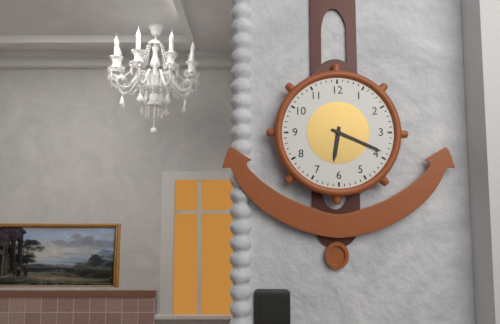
6:19
